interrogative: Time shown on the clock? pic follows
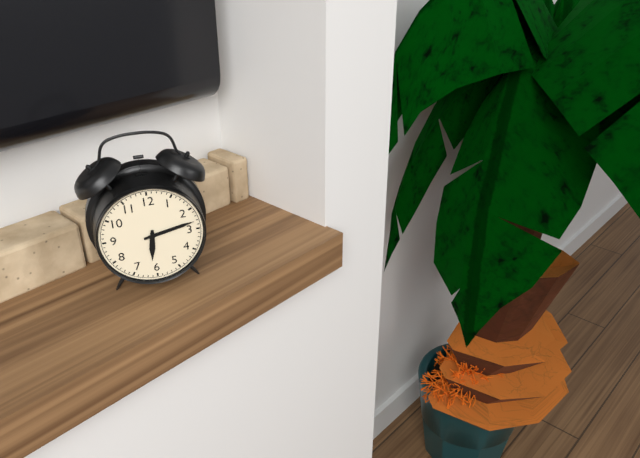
6:13
